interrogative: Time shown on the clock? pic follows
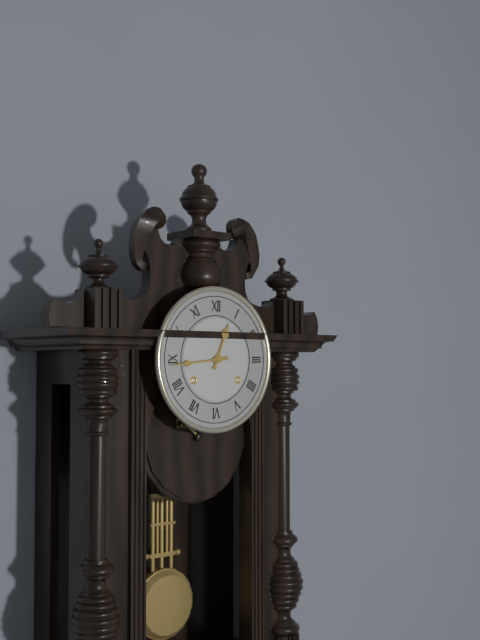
12:44
